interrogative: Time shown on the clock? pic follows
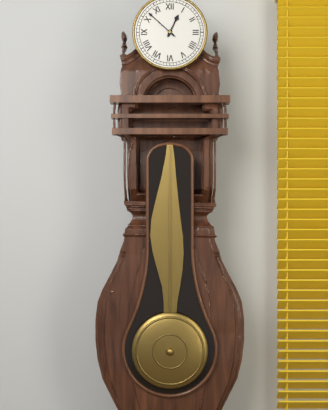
12:52
